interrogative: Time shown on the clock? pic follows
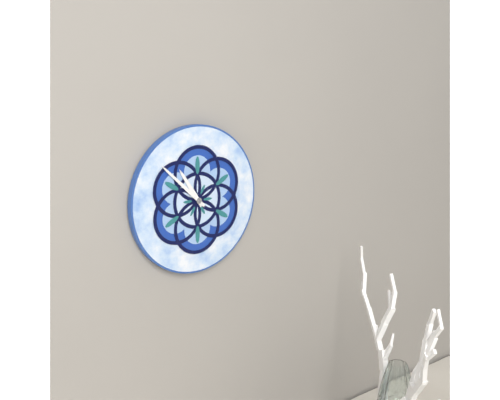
10:52
